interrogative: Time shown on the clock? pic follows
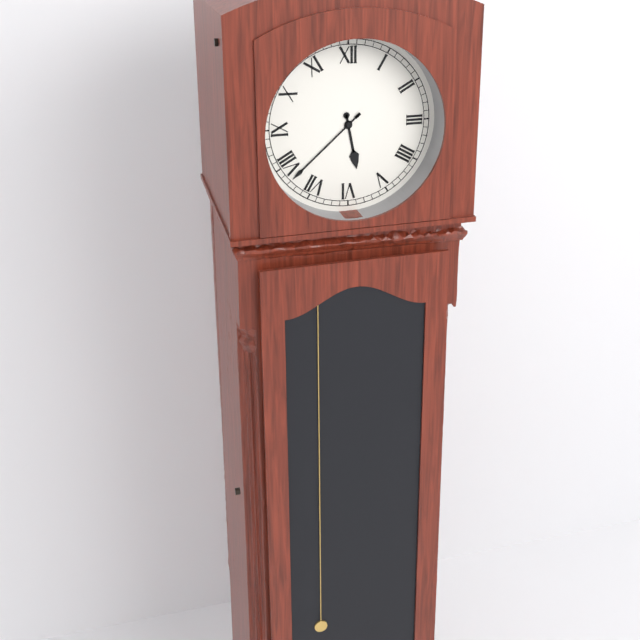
5:38
